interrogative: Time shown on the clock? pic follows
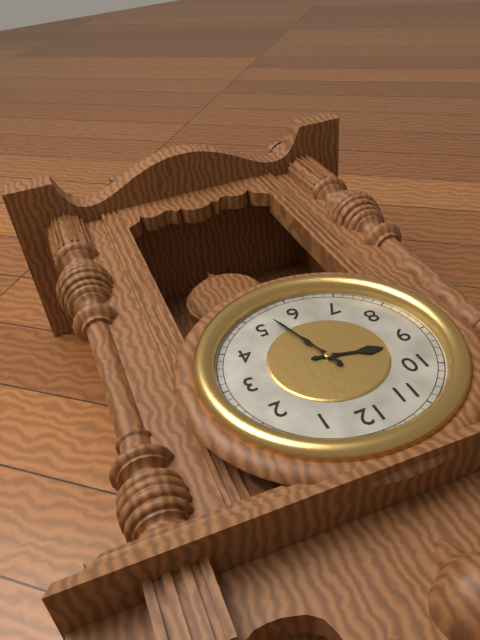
9:27
